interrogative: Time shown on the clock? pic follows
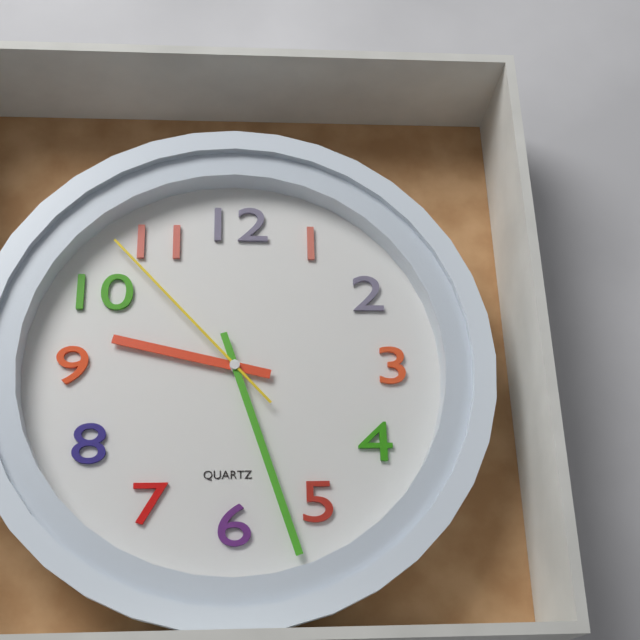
9:27:53
